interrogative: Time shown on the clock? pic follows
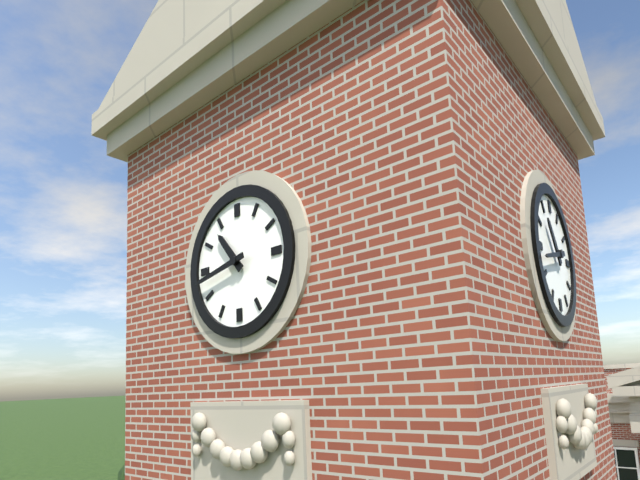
10:43
